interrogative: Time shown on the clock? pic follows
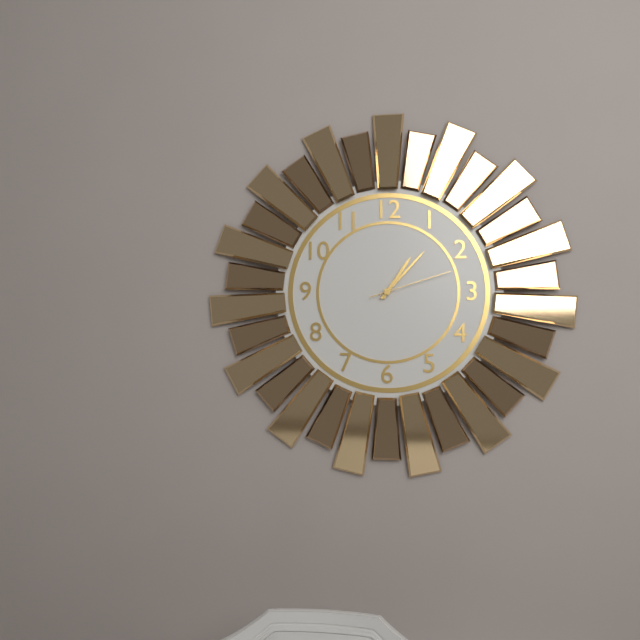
1:07:12
